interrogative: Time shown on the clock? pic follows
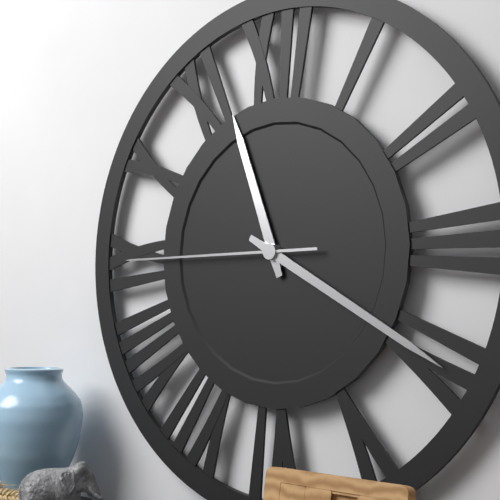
11:20:45
